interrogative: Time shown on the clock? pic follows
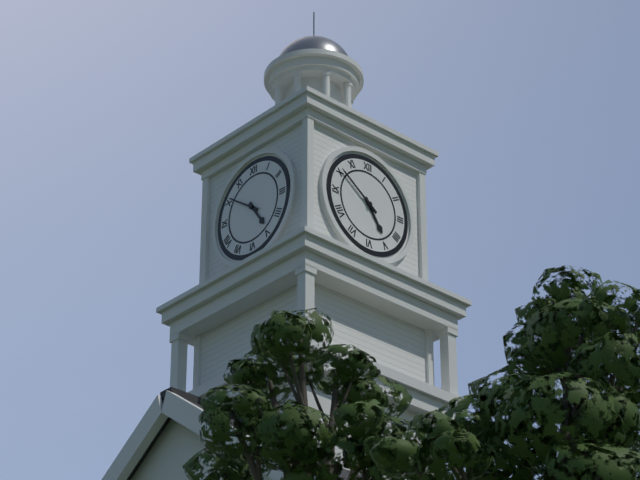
4:51
